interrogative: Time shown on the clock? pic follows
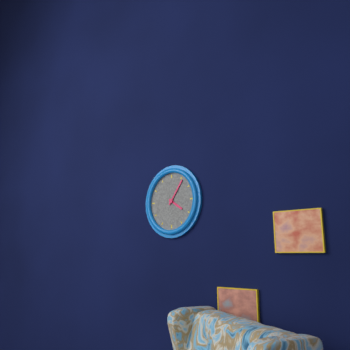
4:06
